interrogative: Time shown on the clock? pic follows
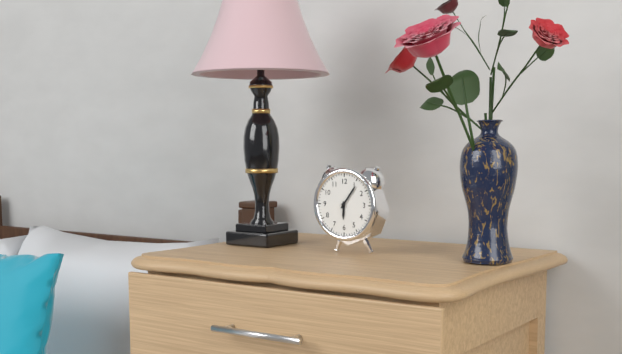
6:06
